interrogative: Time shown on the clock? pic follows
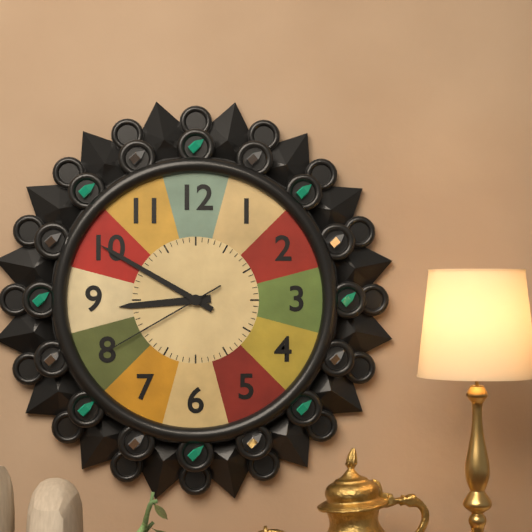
8:50:40
